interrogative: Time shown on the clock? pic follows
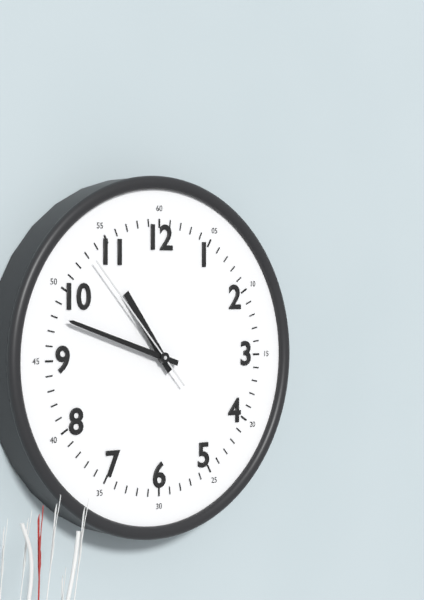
10:48:53
